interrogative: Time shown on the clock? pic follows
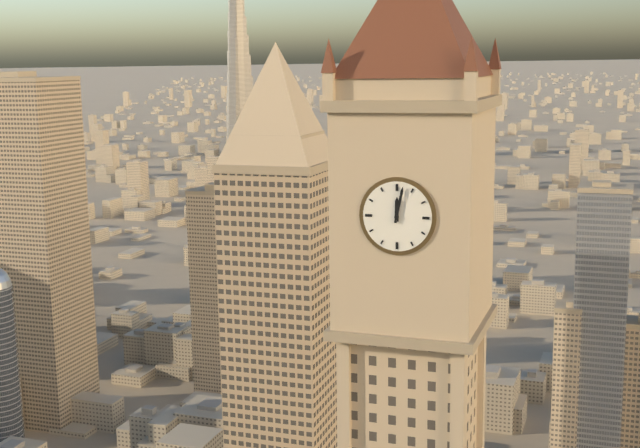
12:02
